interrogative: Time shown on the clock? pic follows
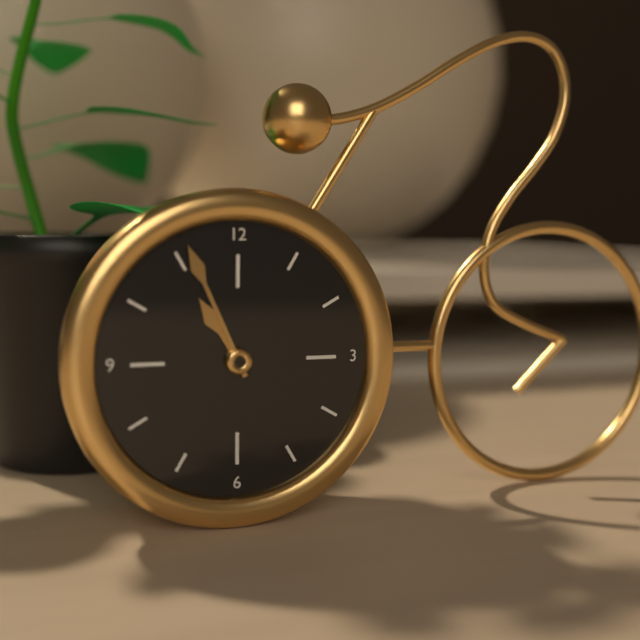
10:56
